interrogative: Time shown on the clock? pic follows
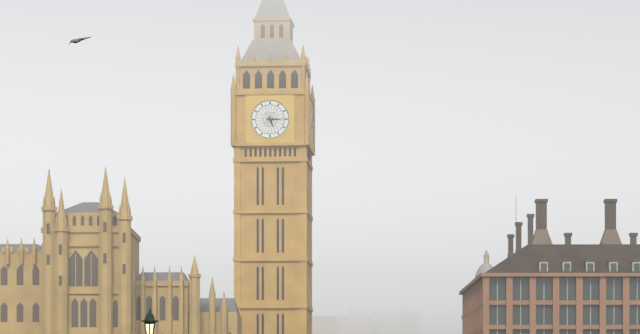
5:15
